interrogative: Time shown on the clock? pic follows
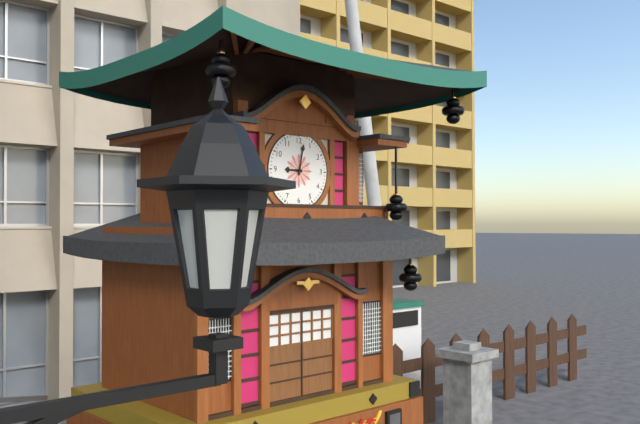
9:02
